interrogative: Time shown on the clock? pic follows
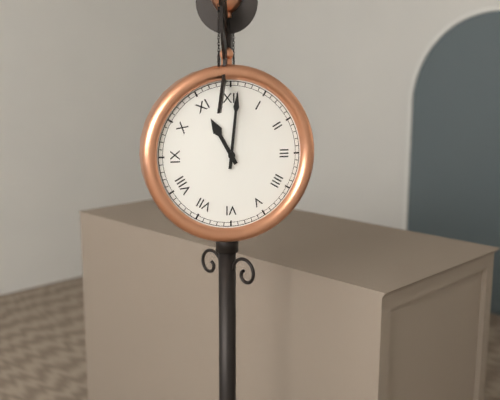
11:01
